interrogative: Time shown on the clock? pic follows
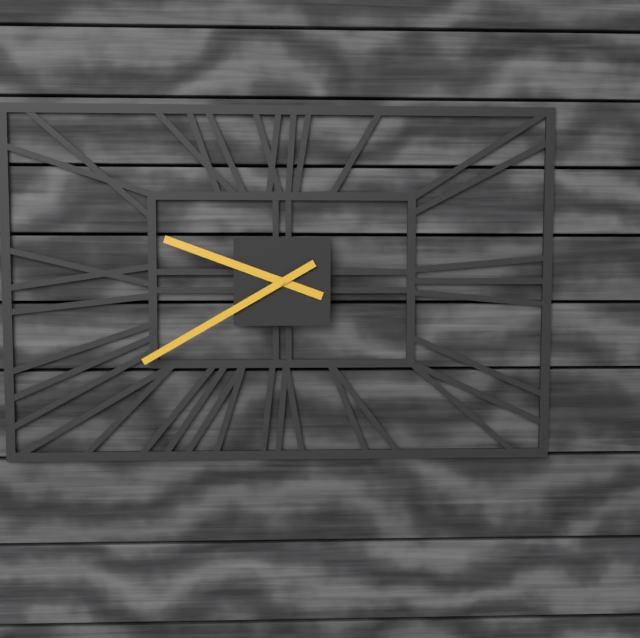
9:40
